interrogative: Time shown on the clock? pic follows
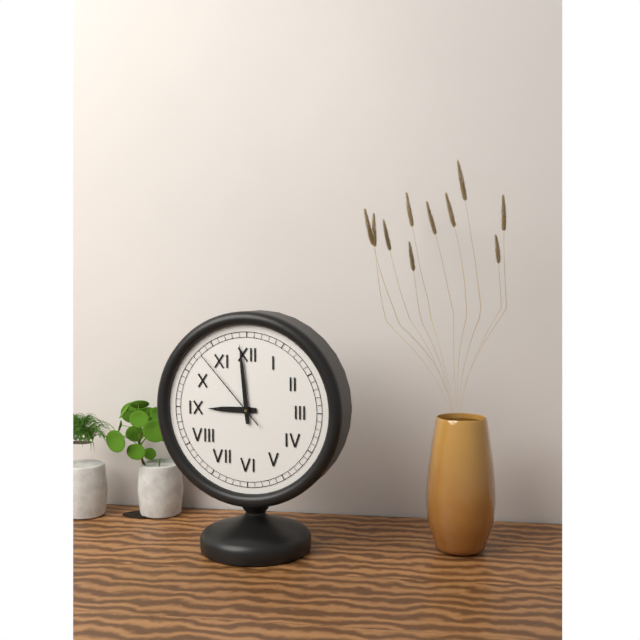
8:59:53
